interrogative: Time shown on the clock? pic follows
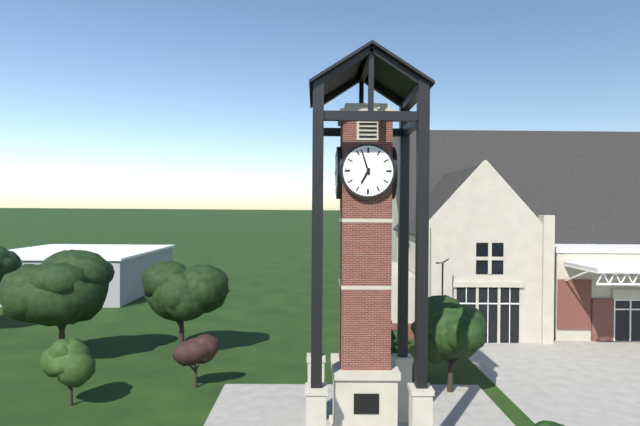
6:57
